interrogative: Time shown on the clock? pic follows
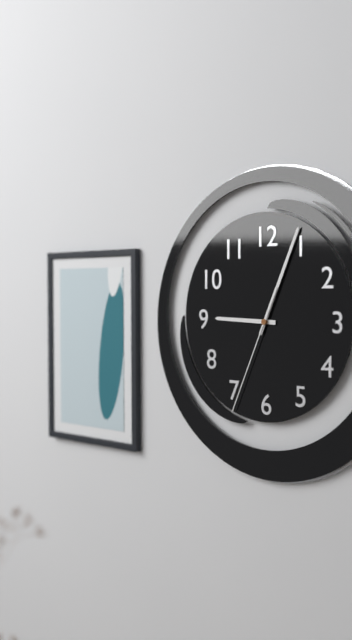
9:04:34
